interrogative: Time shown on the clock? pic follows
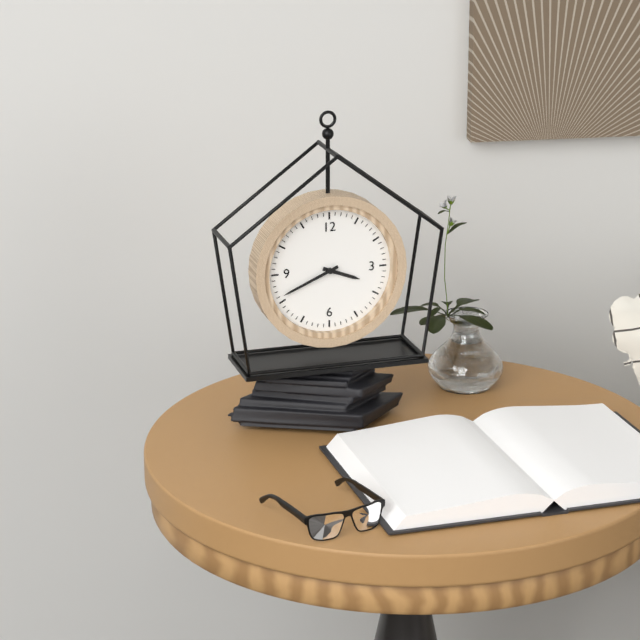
3:41
